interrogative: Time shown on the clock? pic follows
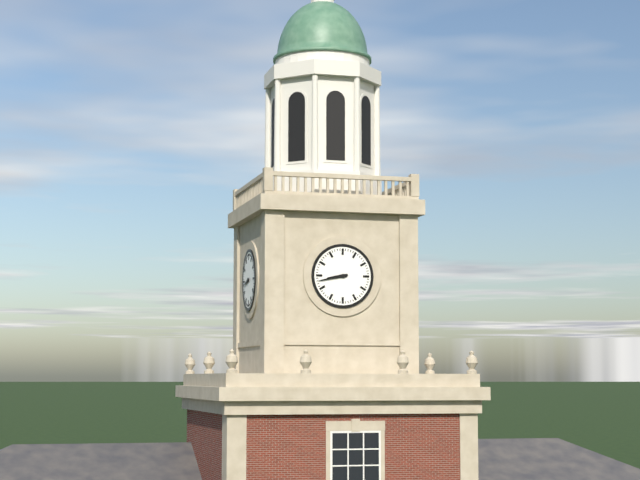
8:43
